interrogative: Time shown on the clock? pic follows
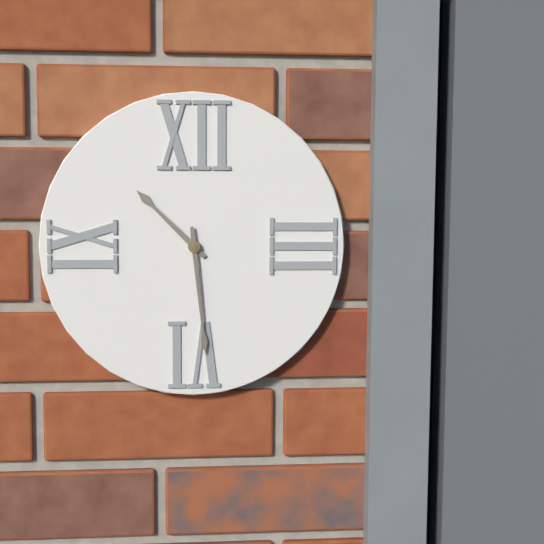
10:29
